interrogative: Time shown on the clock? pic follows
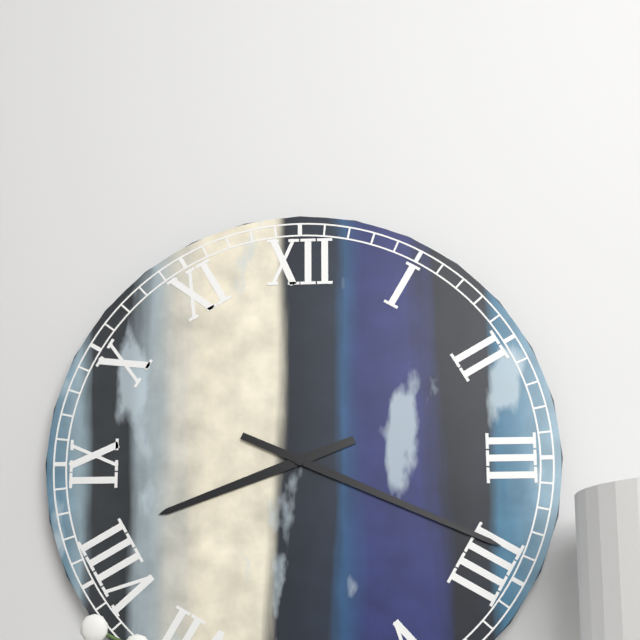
8:19
